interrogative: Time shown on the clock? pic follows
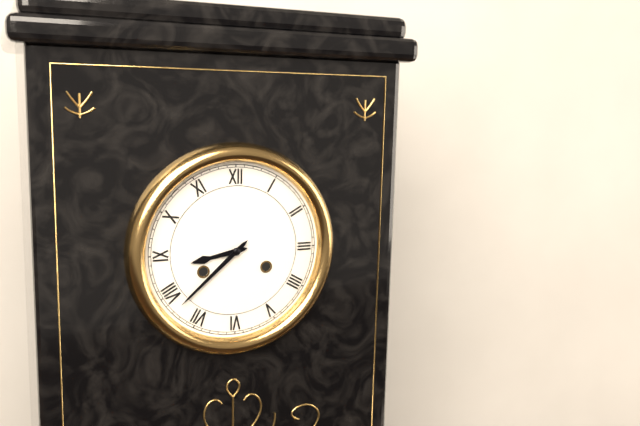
8:38
